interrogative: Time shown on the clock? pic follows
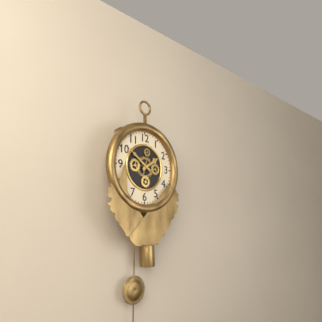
1:51
